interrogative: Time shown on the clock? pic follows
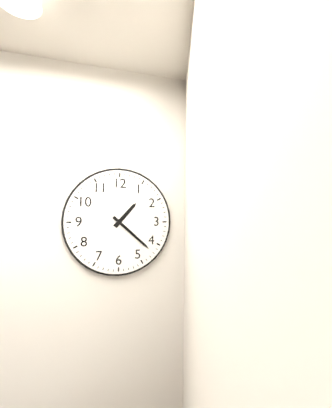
1:22
